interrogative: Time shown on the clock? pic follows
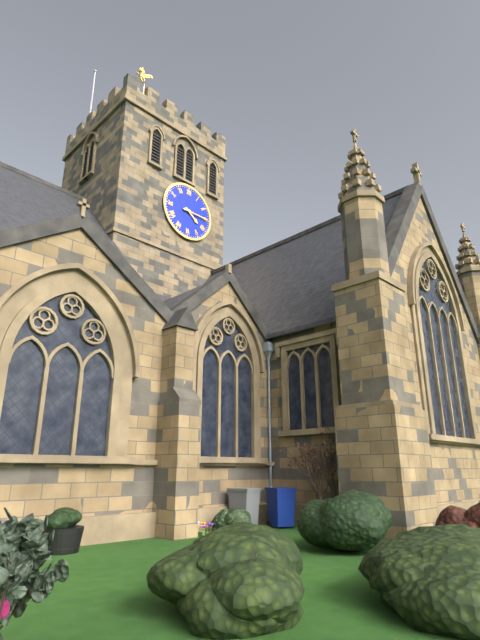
4:15
